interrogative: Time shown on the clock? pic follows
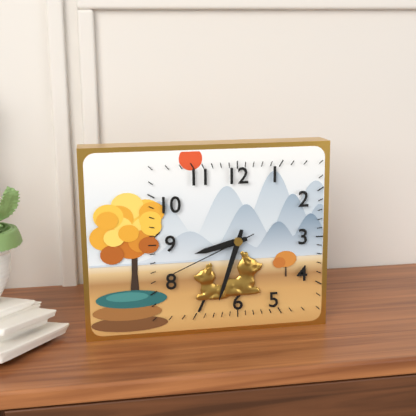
8:33:41
